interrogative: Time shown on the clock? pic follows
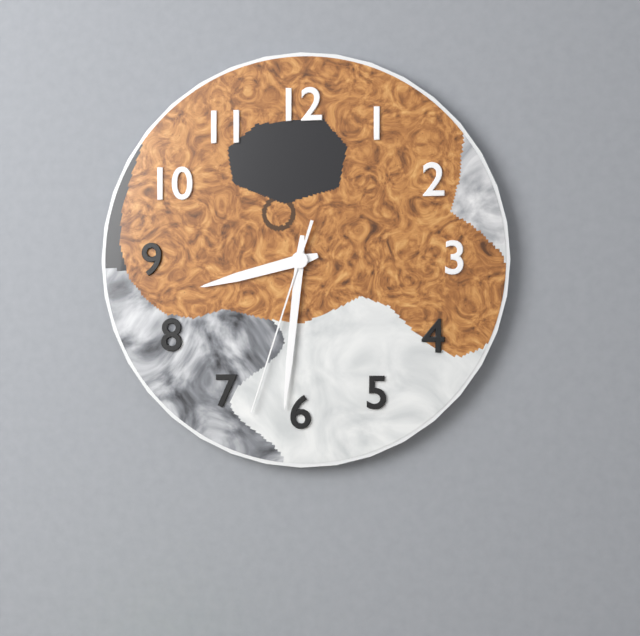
8:31:33
